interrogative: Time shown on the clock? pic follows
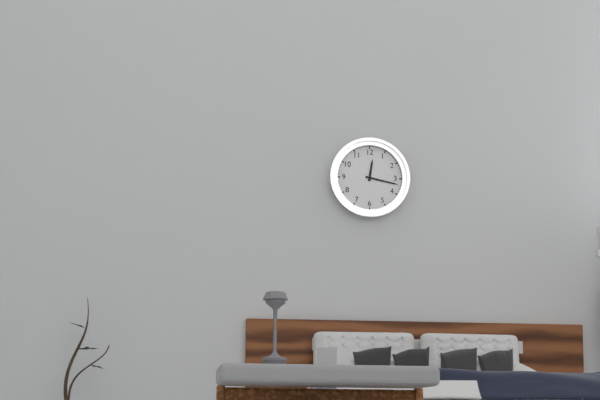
12:17
